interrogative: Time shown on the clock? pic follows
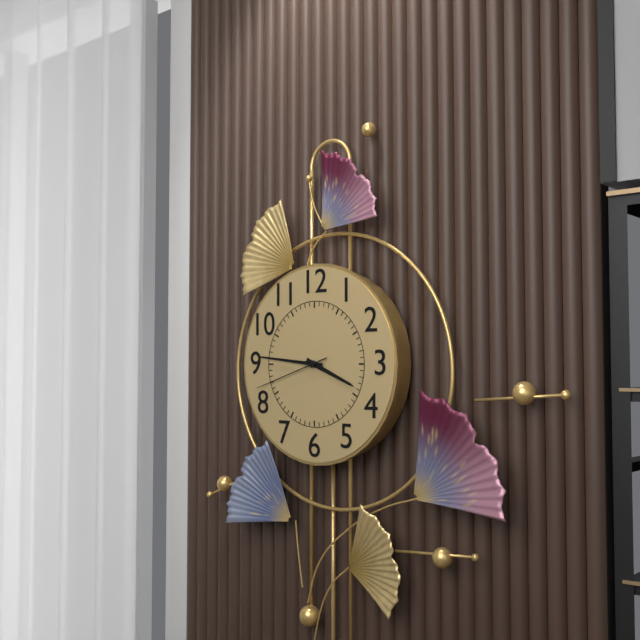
3:46:42
